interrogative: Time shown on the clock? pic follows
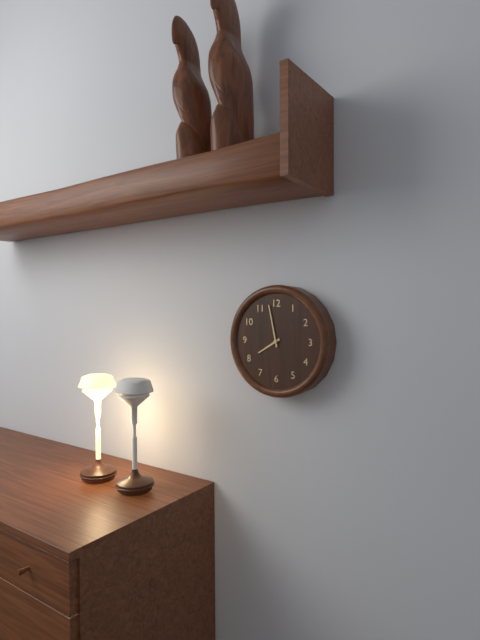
7:58
